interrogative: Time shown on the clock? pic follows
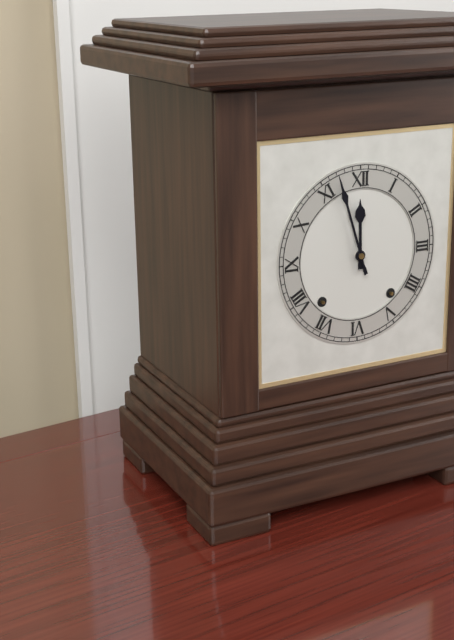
11:57
